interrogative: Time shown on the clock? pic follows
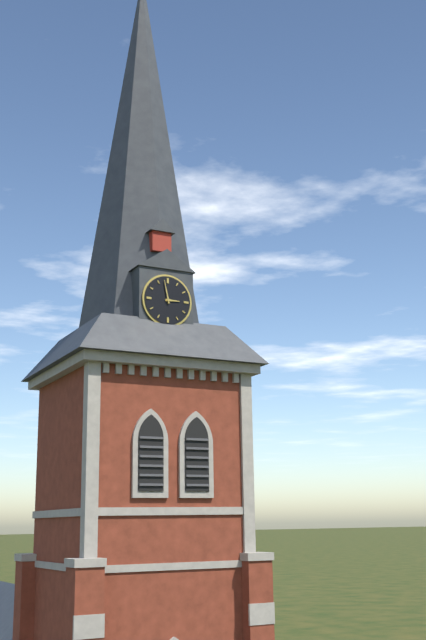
2:58
